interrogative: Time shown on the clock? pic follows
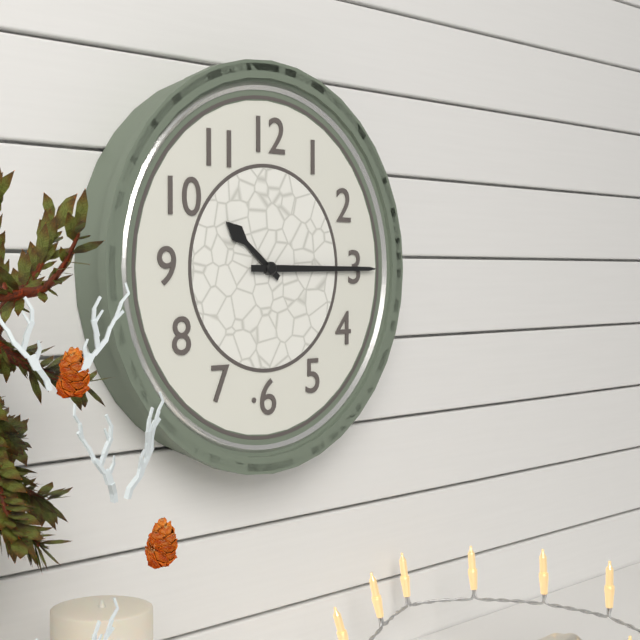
10:15
